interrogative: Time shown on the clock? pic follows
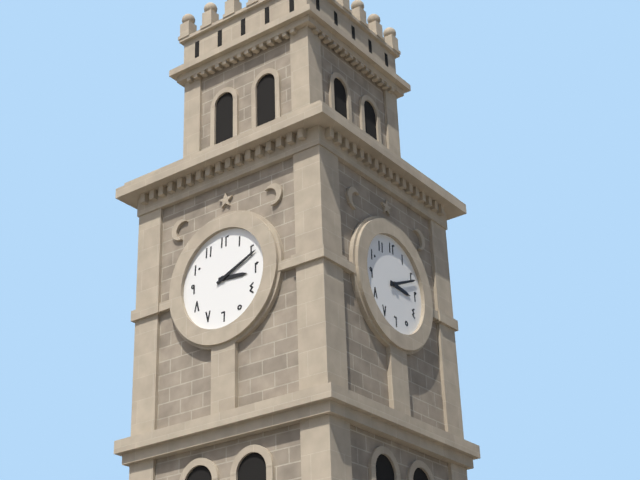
3:11
